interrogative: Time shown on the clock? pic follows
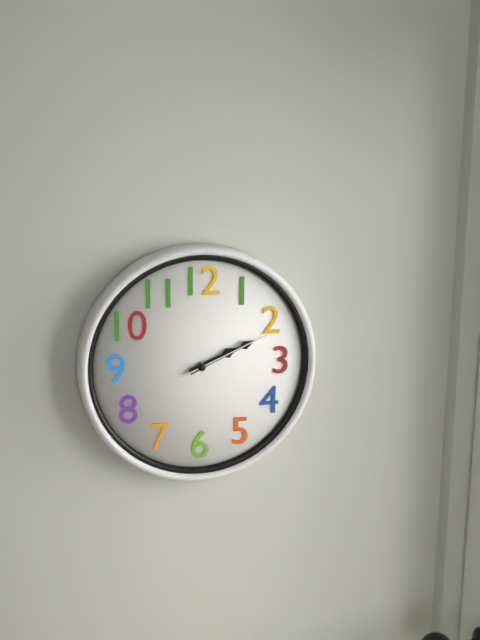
2:11:11
